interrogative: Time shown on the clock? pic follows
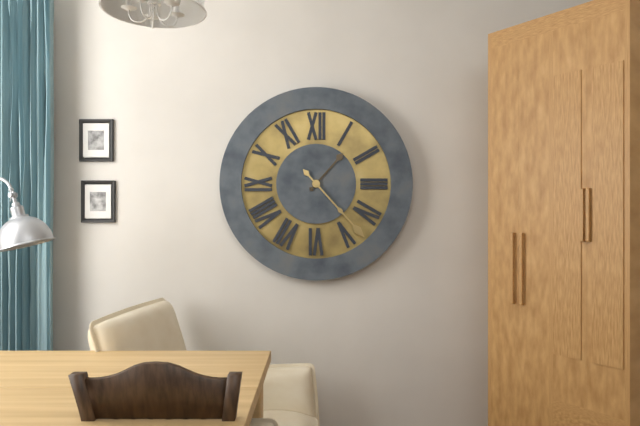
1:23
